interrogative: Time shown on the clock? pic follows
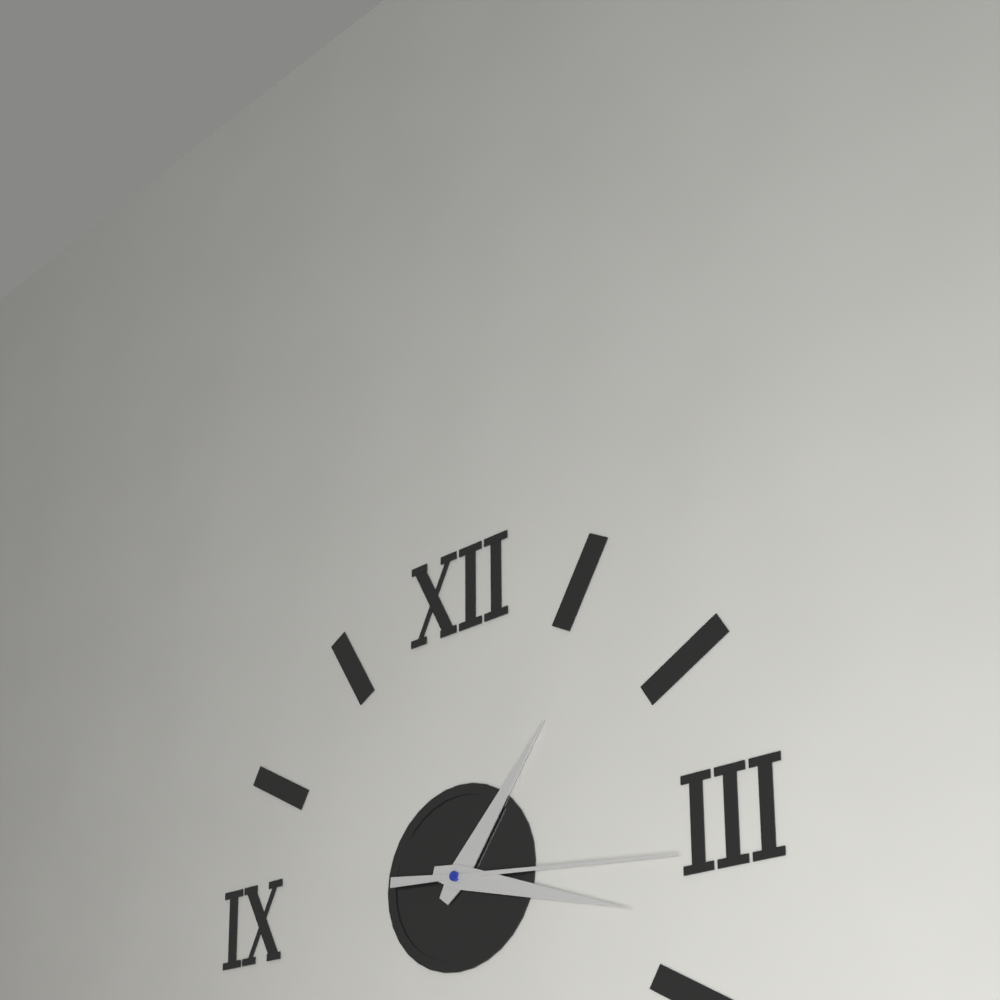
1:18:16
